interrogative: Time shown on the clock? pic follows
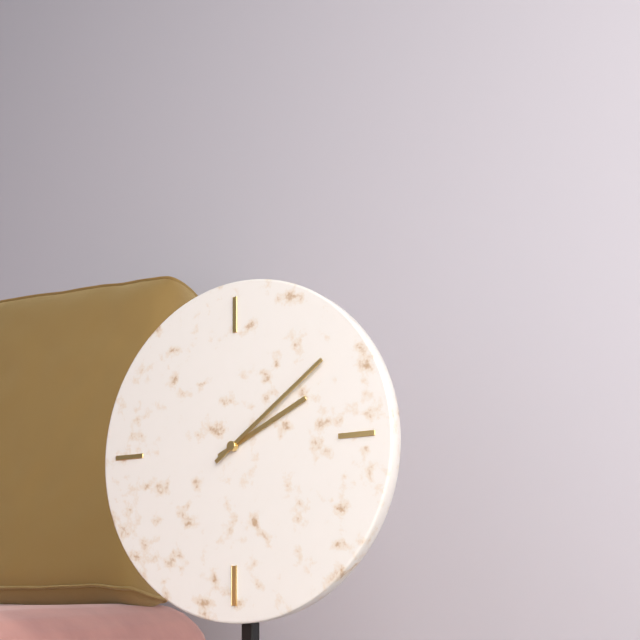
2:09
